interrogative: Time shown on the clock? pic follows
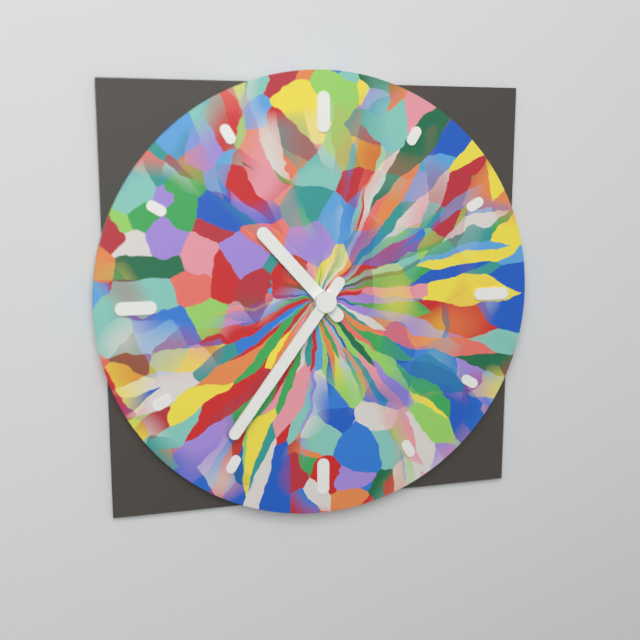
10:36
